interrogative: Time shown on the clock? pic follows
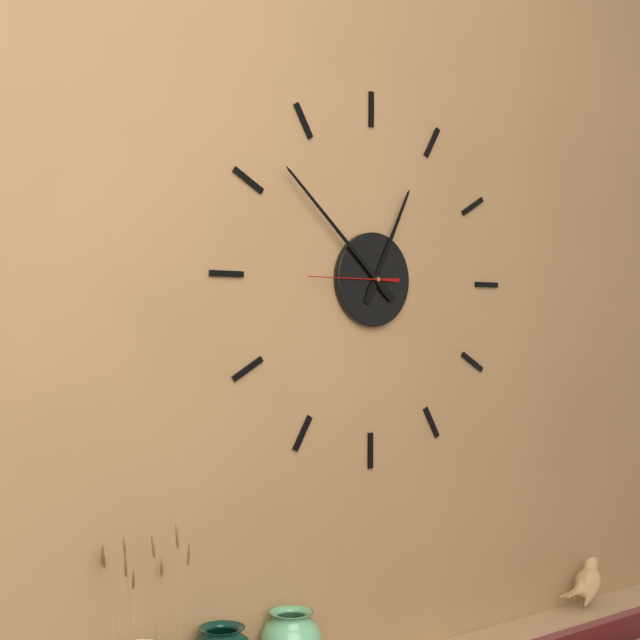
12:52:45
